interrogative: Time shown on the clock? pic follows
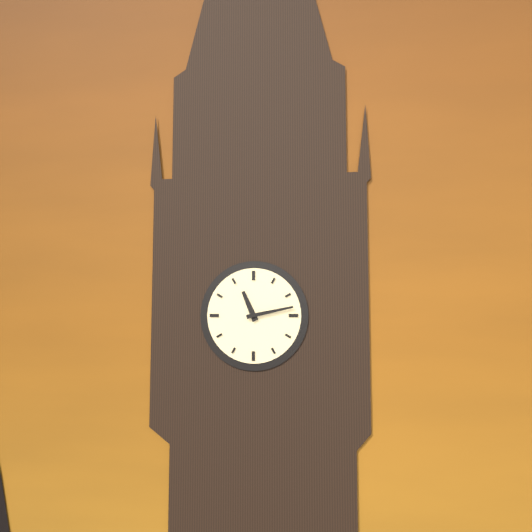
11:13
